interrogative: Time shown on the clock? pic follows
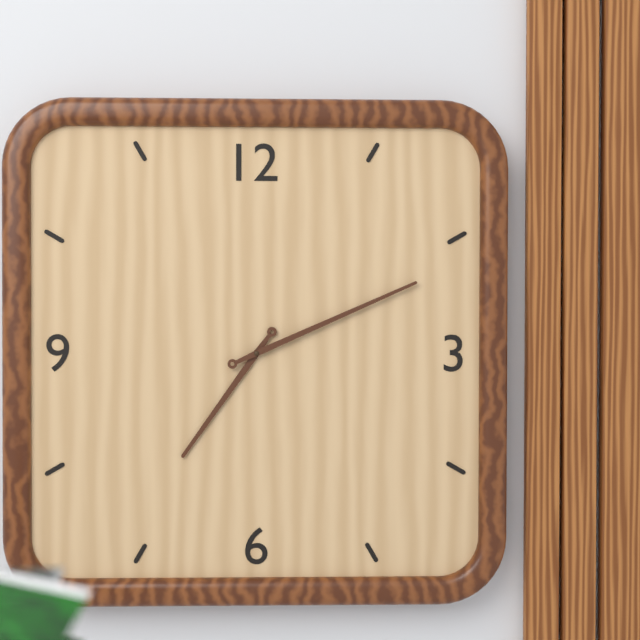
7:11
